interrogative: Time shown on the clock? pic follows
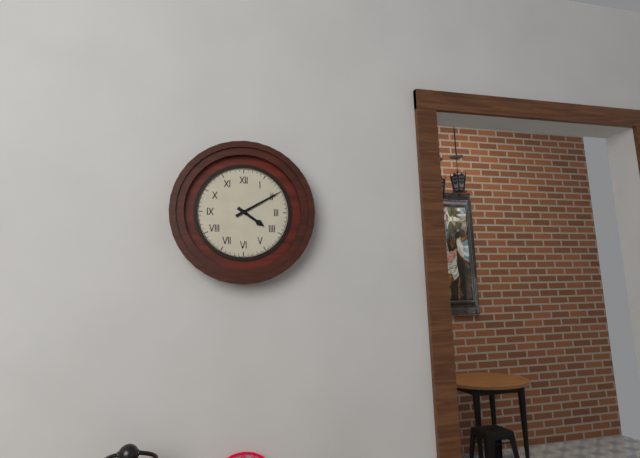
4:10
